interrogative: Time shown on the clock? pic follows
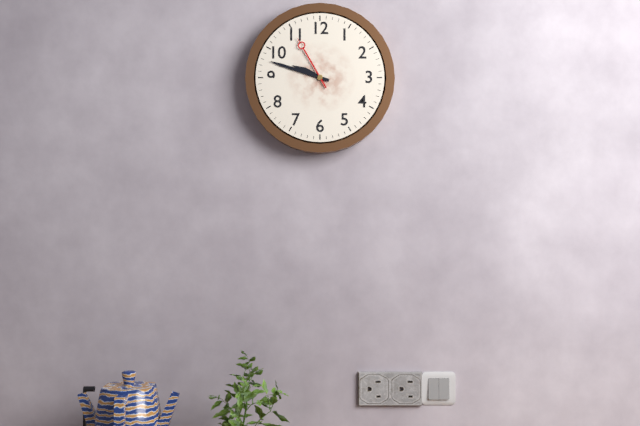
9:48:55
